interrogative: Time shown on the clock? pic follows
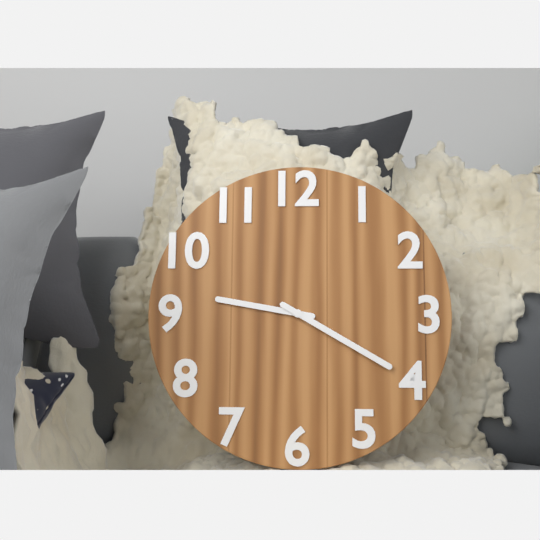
9:20
